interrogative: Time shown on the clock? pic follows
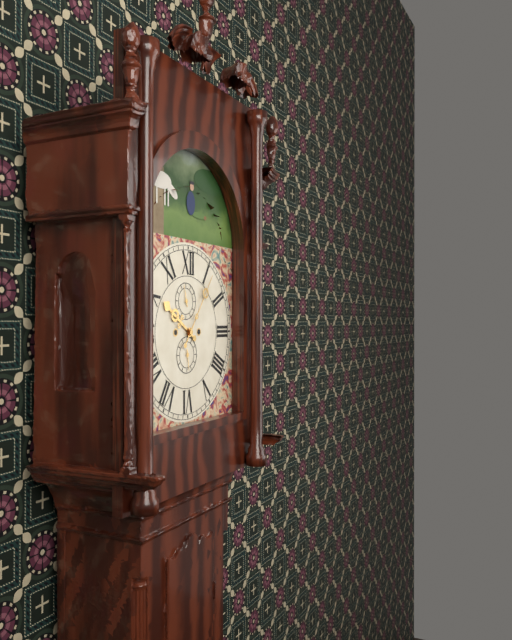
10:06
